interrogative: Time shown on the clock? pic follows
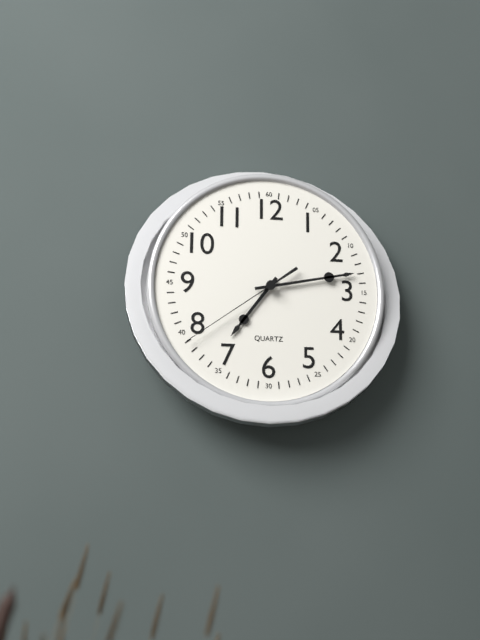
7:13:39
